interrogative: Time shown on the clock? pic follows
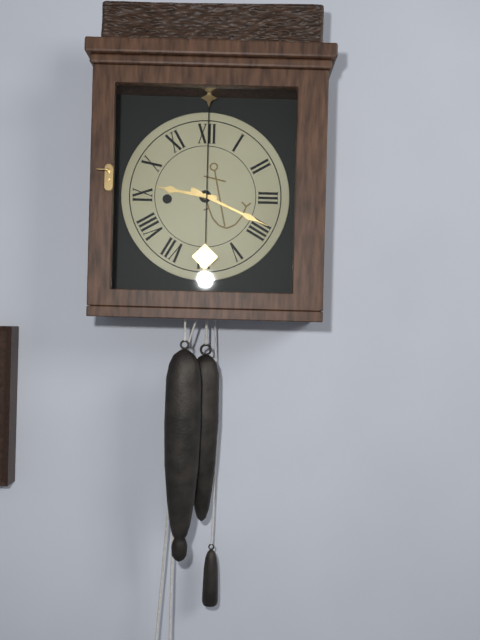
9:19
